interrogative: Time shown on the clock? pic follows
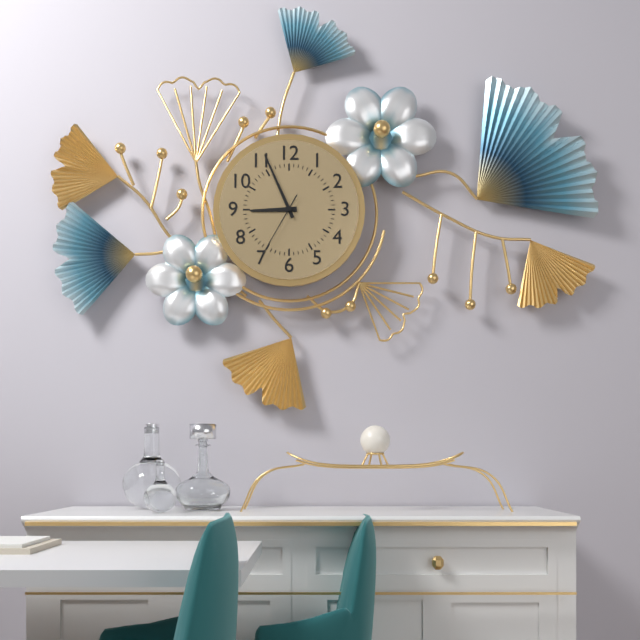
8:56:35
